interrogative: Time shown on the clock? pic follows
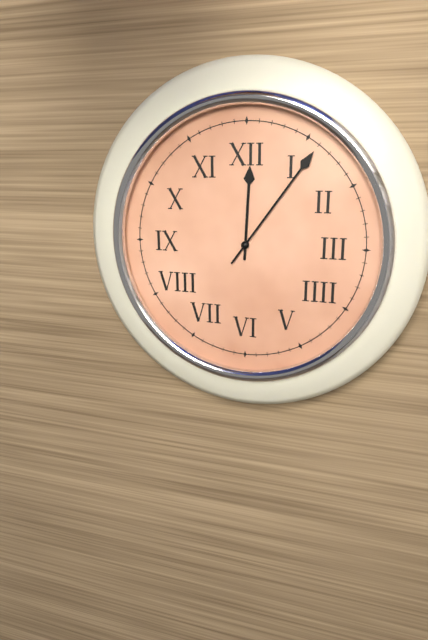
12:06
